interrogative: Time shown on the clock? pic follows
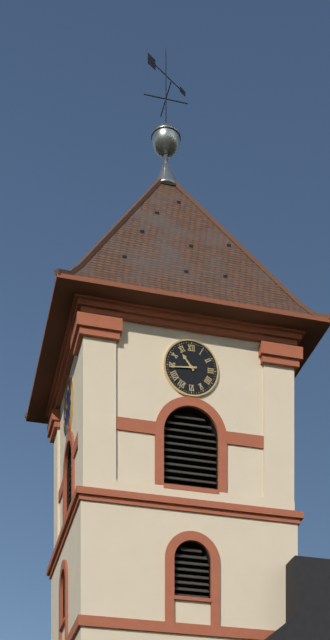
10:44
